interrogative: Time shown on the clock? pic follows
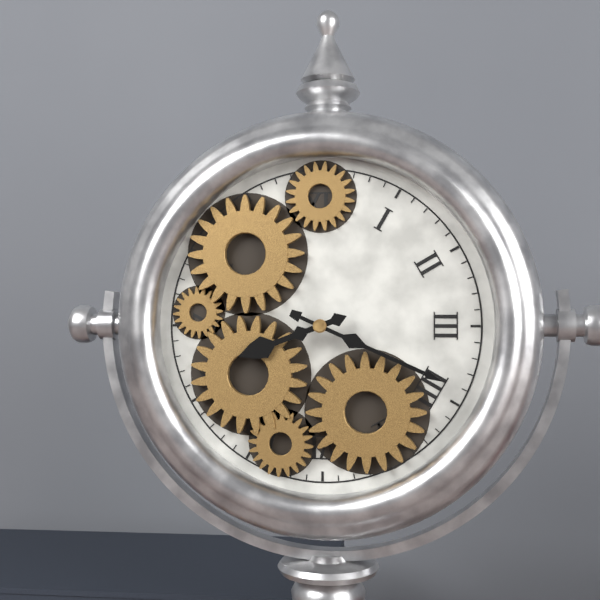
8:19
